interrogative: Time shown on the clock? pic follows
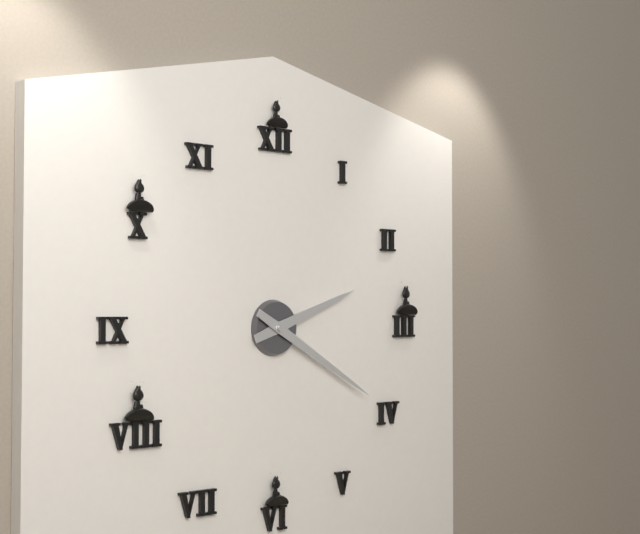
2:20
